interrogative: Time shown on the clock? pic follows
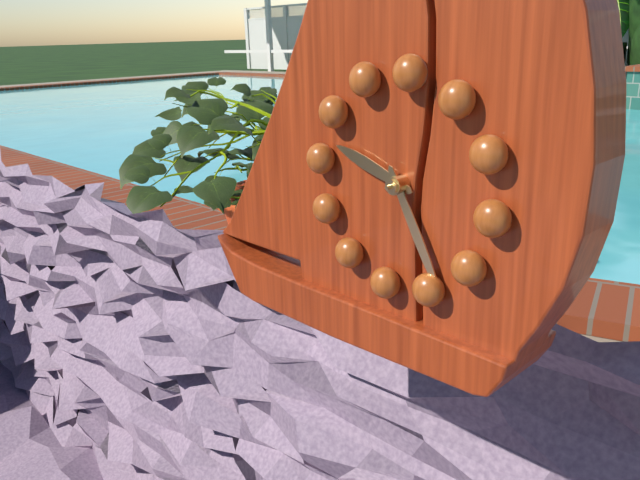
9:24
